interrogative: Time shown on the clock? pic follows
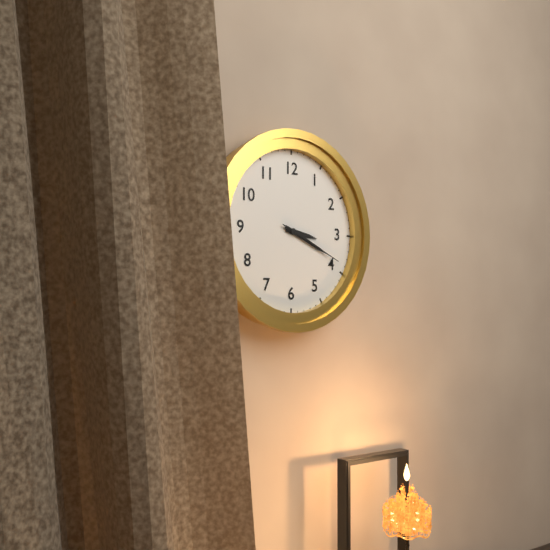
3:19:19
